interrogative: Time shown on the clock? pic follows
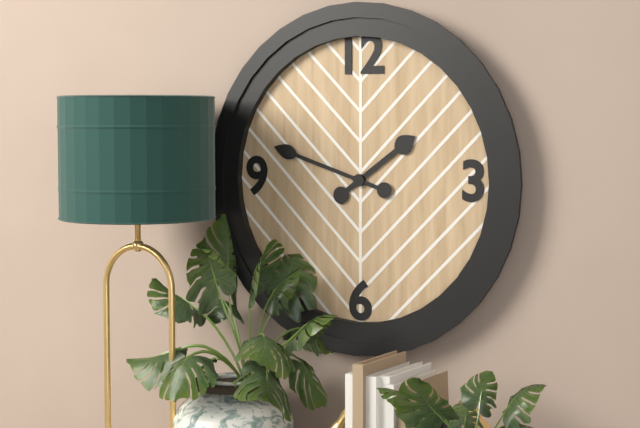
1:48
